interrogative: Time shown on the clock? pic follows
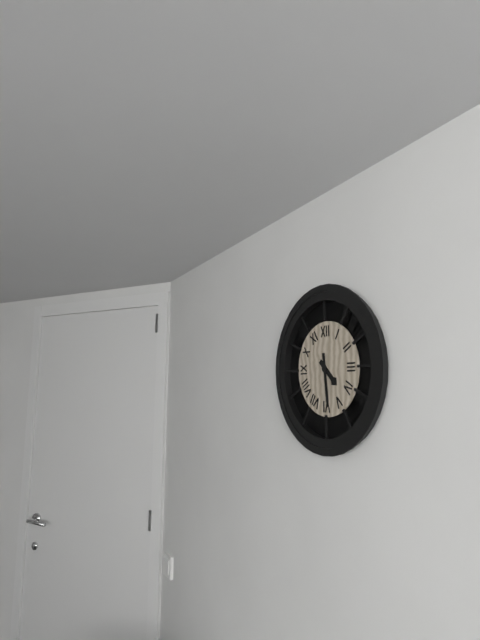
4:29
